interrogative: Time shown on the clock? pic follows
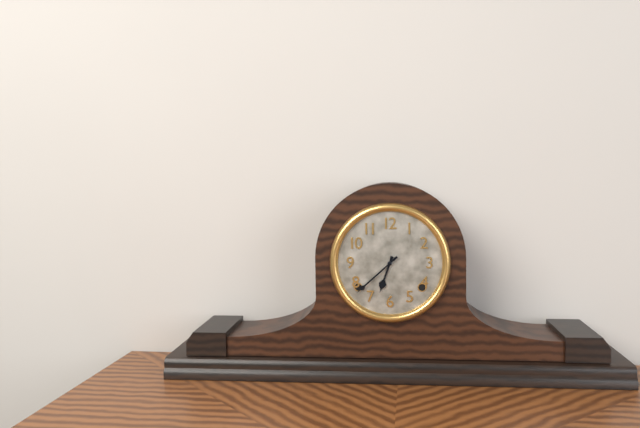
6:38
